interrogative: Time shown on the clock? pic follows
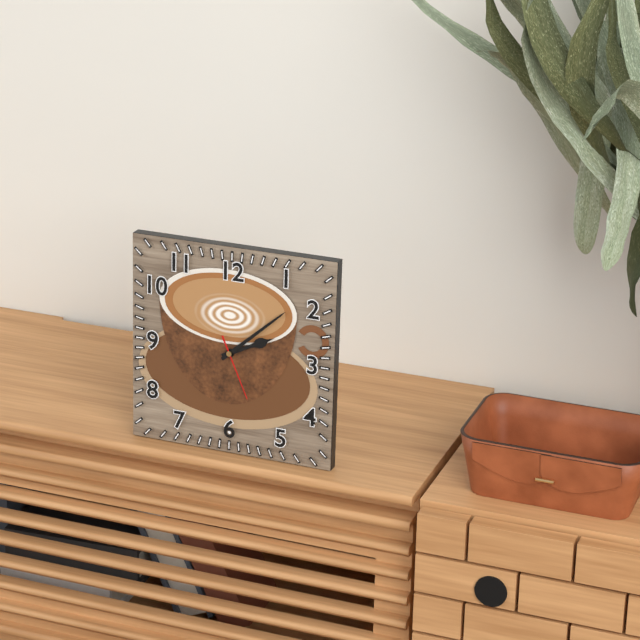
2:08:26
